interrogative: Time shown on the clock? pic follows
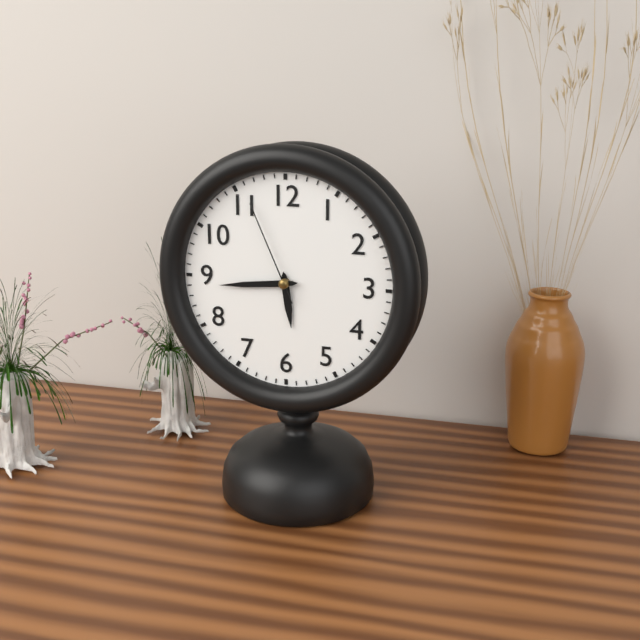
5:44:56
